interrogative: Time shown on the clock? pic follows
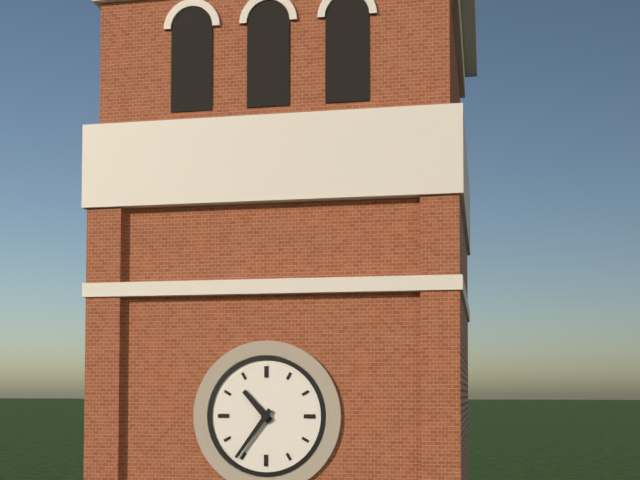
10:36
